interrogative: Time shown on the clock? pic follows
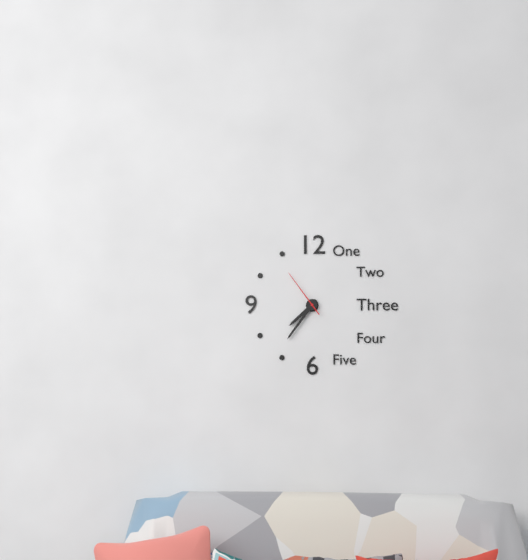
7:36:54
